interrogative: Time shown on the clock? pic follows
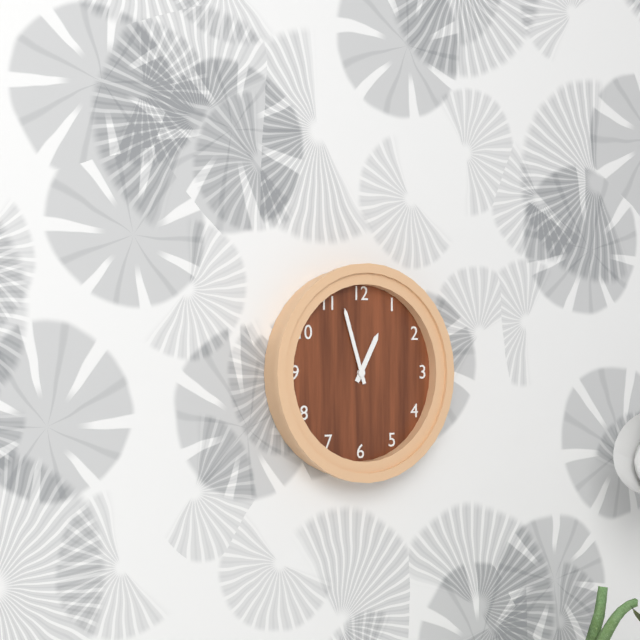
12:57
